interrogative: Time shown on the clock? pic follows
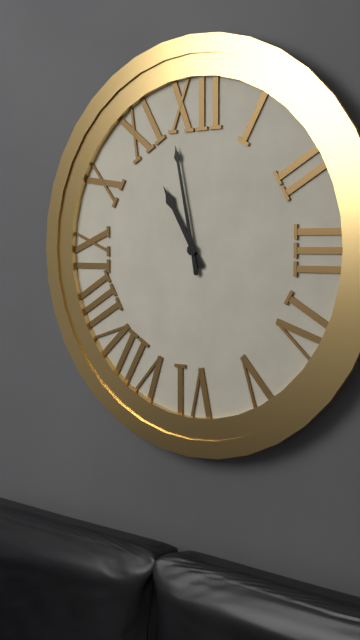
10:58
